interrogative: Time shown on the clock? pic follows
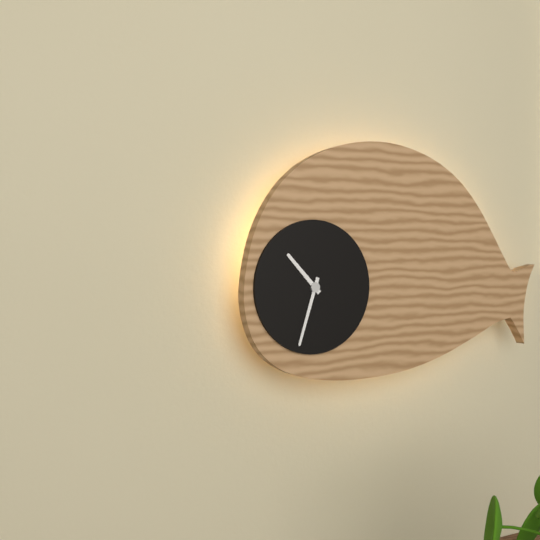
10:33
